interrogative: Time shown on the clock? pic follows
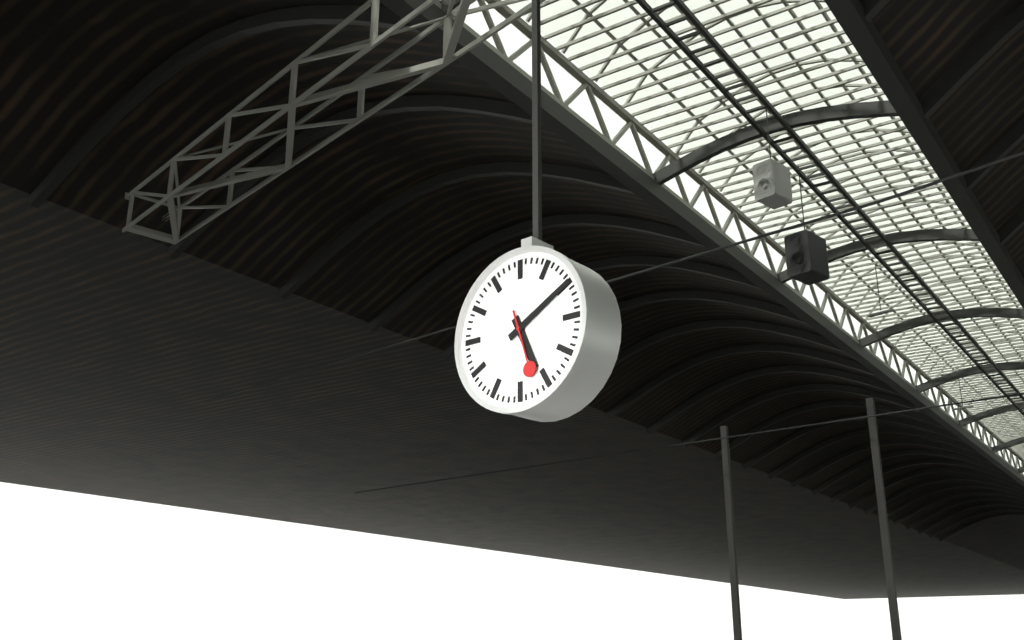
5:10:27
